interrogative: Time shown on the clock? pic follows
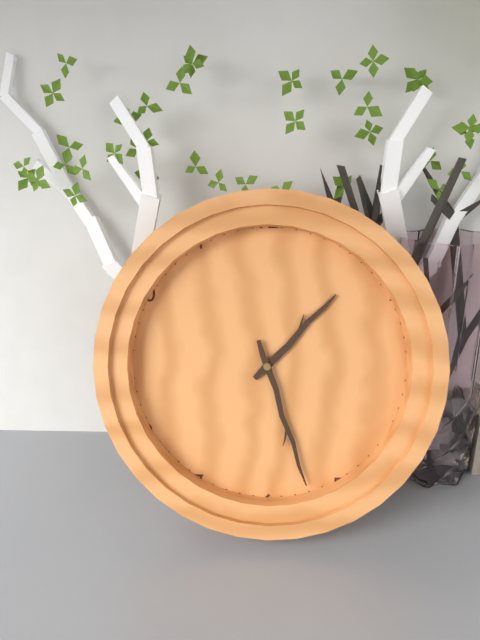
1:27
